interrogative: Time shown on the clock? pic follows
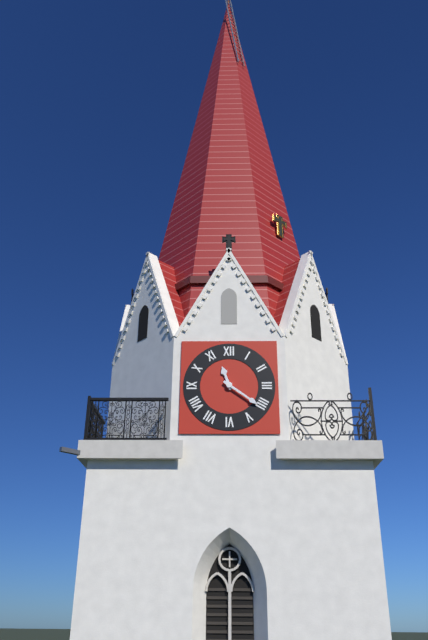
11:21
